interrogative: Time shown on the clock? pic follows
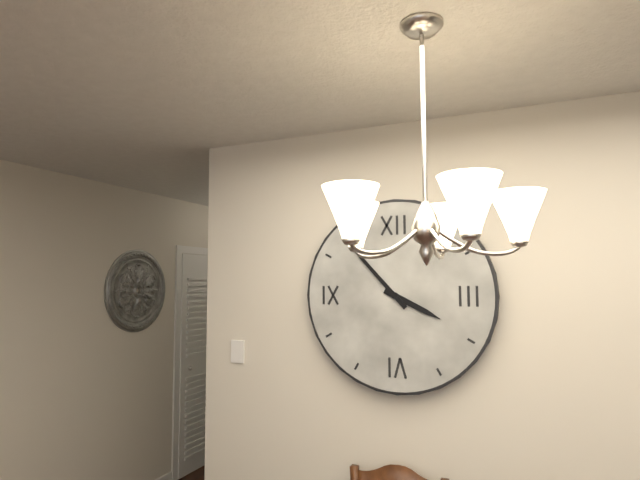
3:53
